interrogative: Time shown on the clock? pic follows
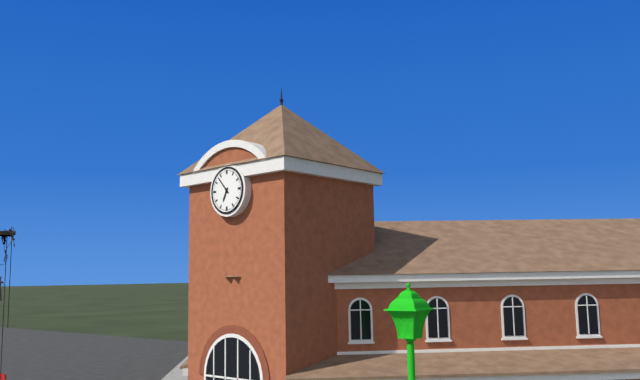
6:53
